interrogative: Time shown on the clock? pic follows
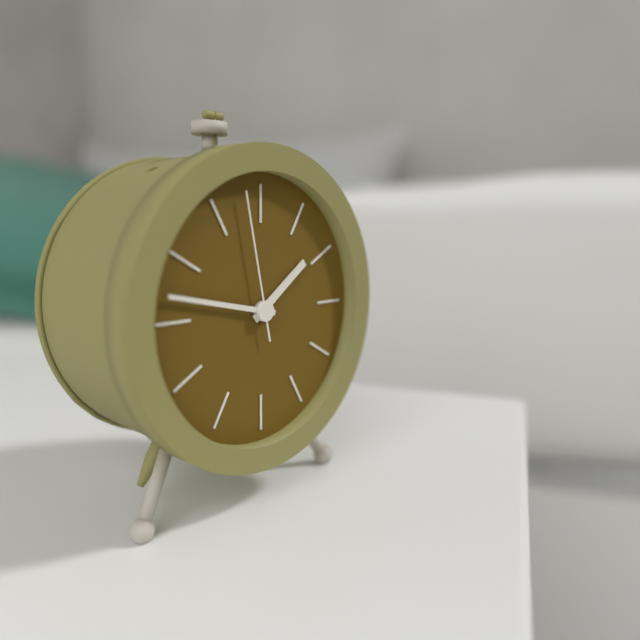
1:47:58
